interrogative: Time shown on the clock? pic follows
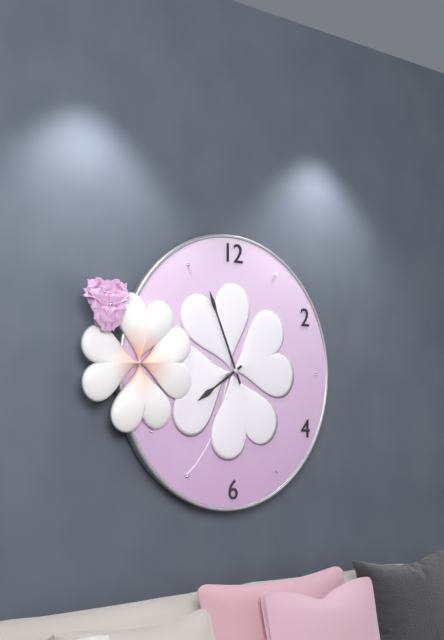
7:56
